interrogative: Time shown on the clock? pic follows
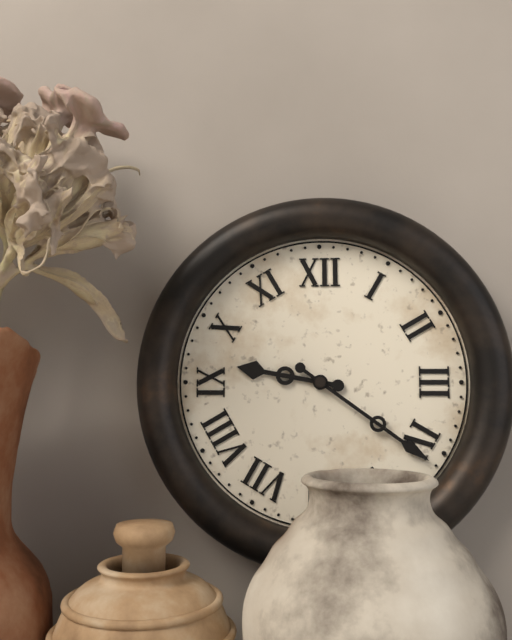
9:21
